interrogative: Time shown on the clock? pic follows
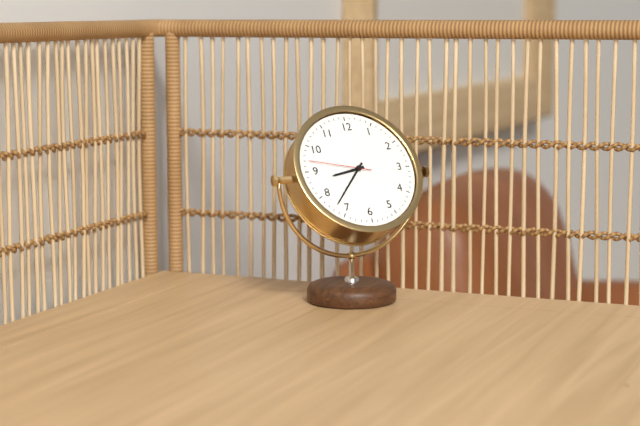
8:37:47
